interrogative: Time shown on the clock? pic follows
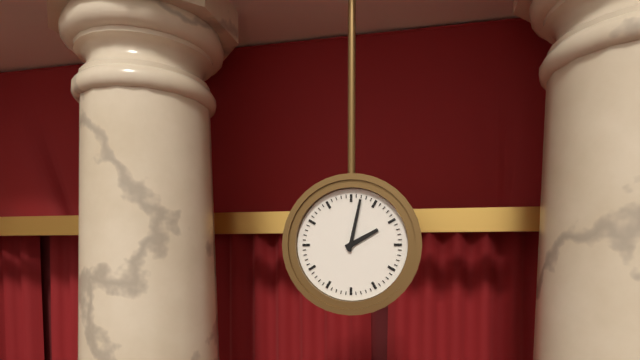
2:02
